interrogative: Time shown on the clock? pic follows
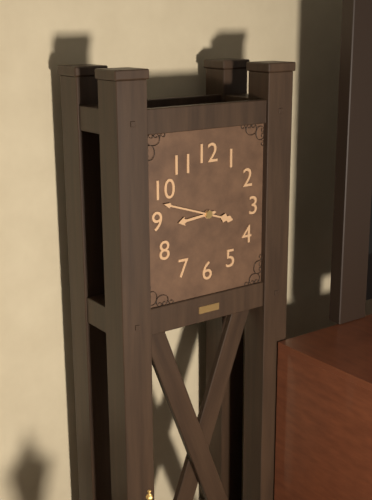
8:48
